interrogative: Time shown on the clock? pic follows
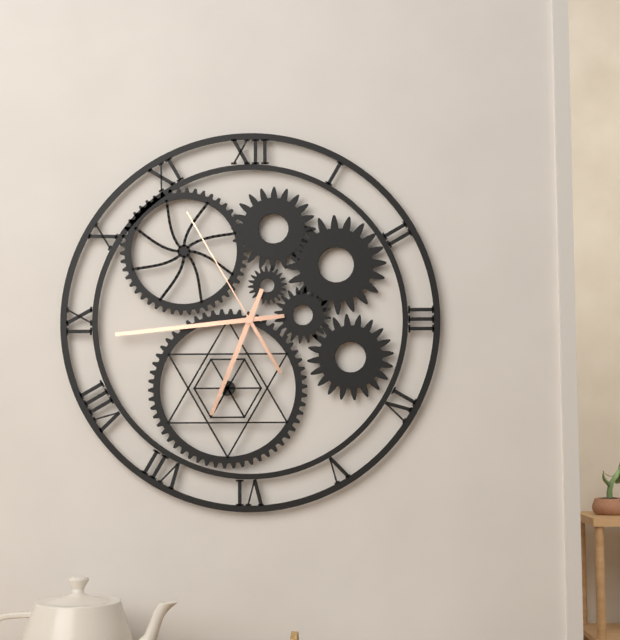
6:44:55
